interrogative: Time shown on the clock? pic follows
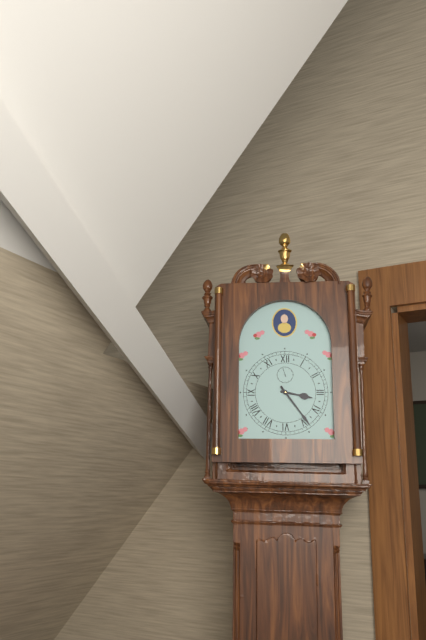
3:24
